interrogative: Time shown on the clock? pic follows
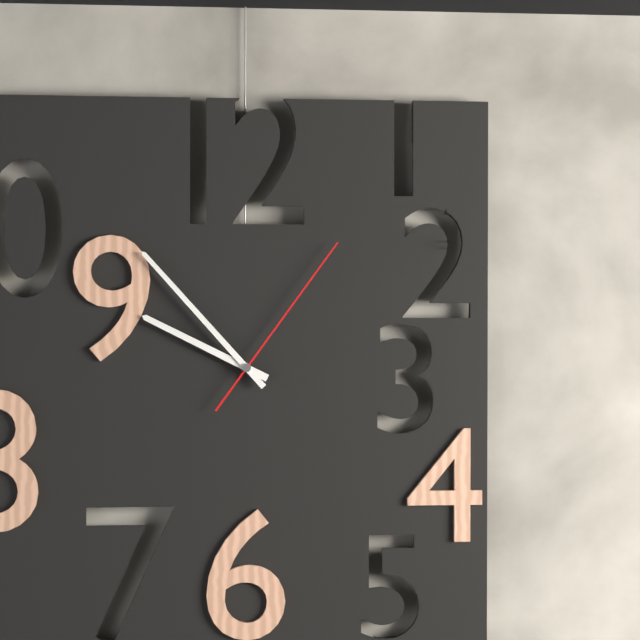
9:53:06
